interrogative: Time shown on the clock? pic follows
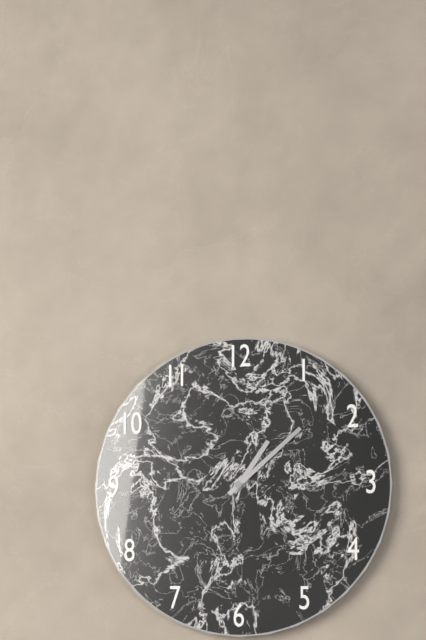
1:08
